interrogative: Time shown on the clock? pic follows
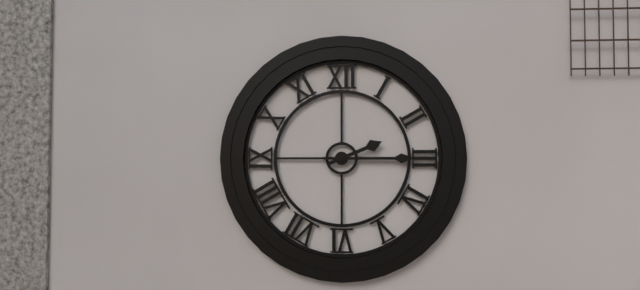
2:15
